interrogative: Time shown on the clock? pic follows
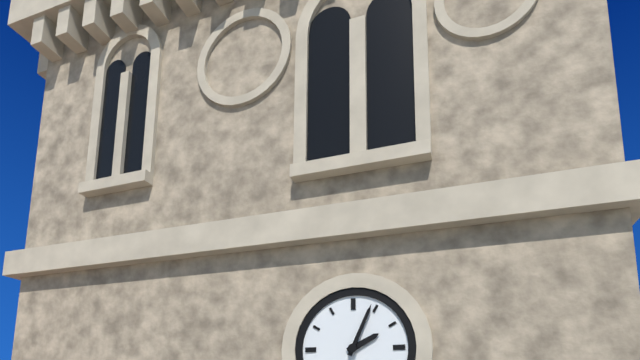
2:04
